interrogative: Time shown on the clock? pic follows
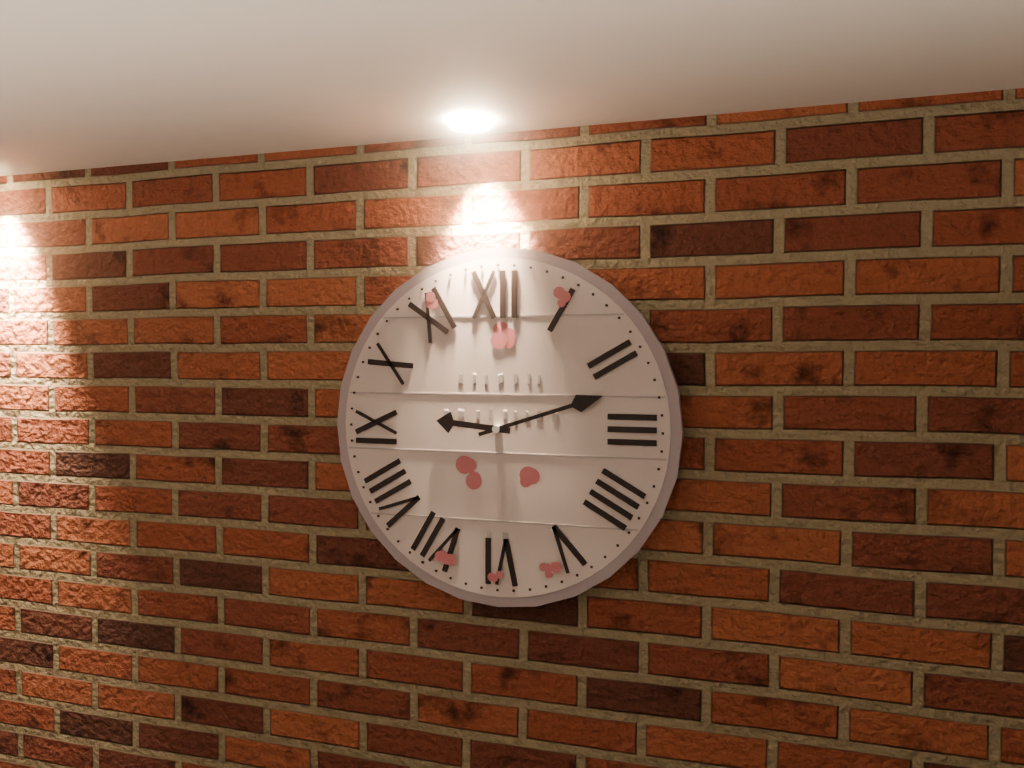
9:12
